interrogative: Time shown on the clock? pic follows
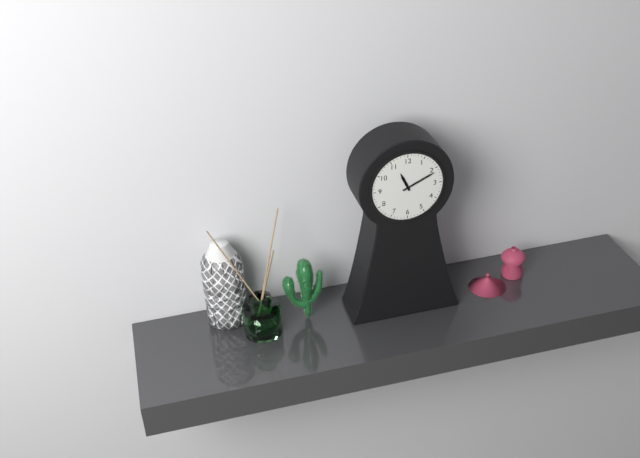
11:11
